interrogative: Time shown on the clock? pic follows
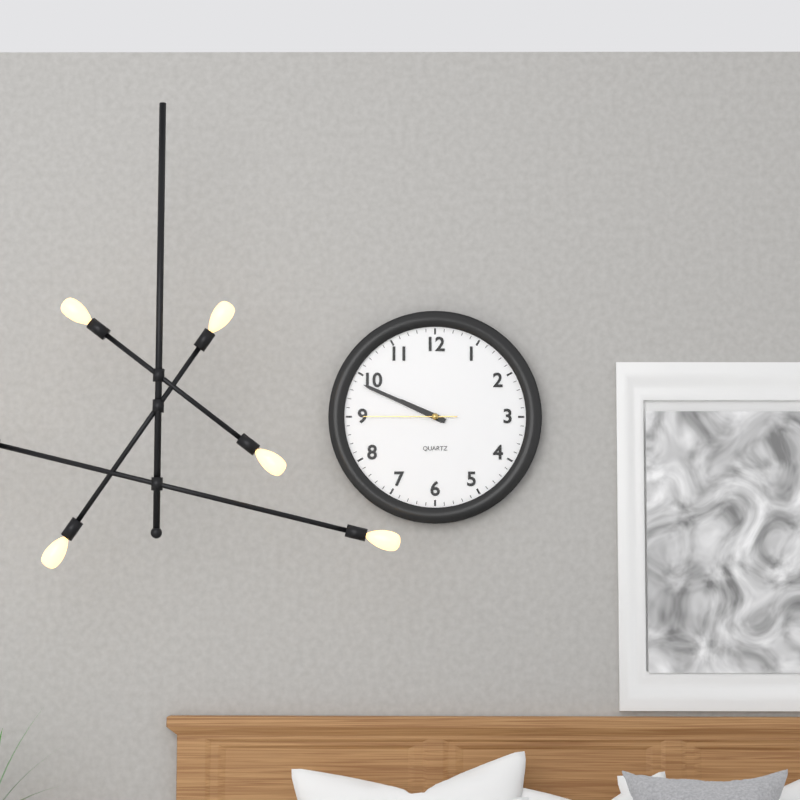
9:49:45
